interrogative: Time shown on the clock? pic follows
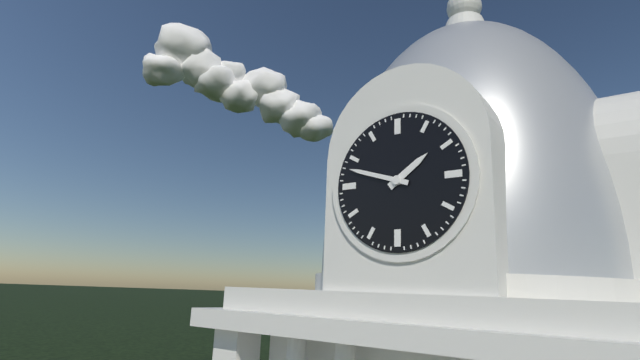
1:48
